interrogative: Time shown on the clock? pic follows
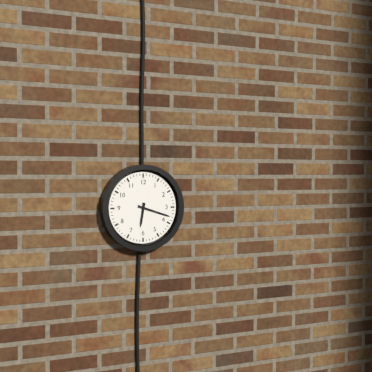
6:18
